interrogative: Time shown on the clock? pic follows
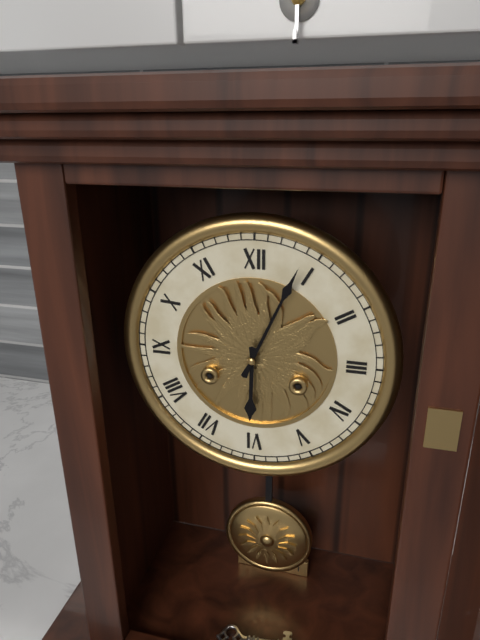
6:04
